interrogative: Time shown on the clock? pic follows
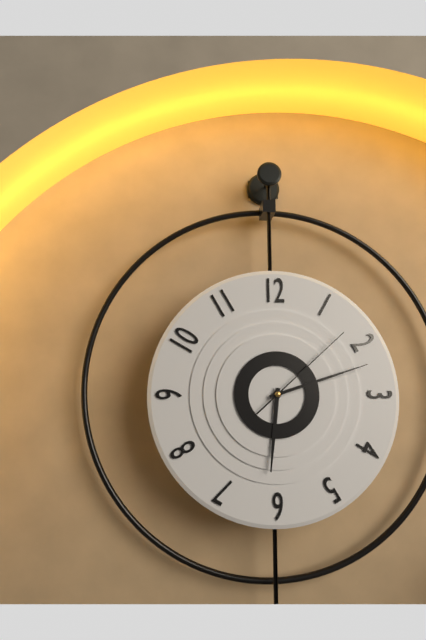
6:12:08
